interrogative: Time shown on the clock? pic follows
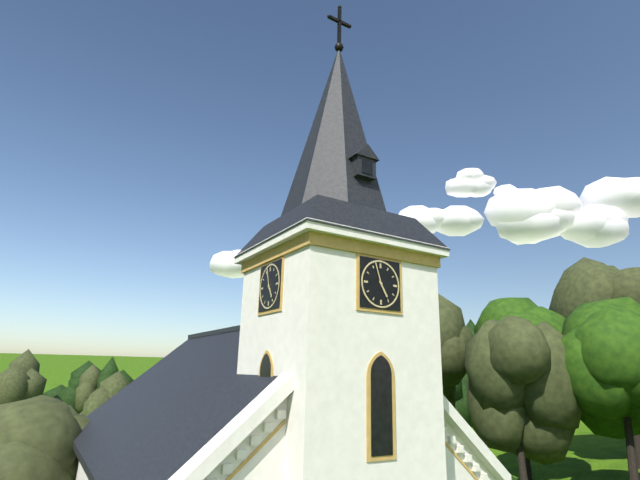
4:57
